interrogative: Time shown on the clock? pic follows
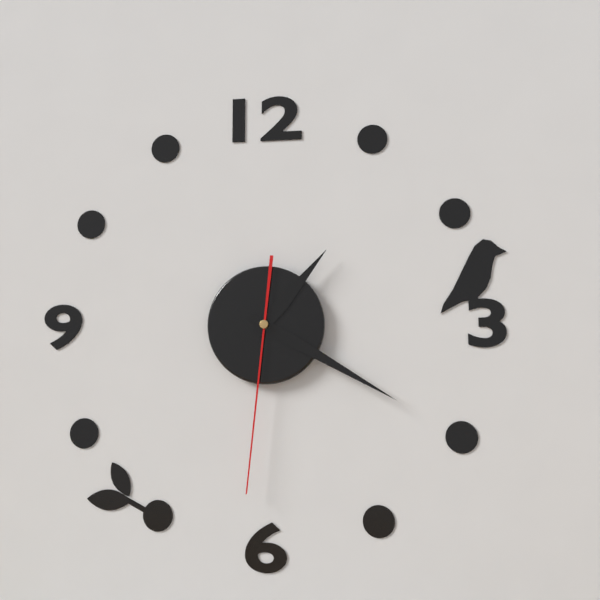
1:20:31
